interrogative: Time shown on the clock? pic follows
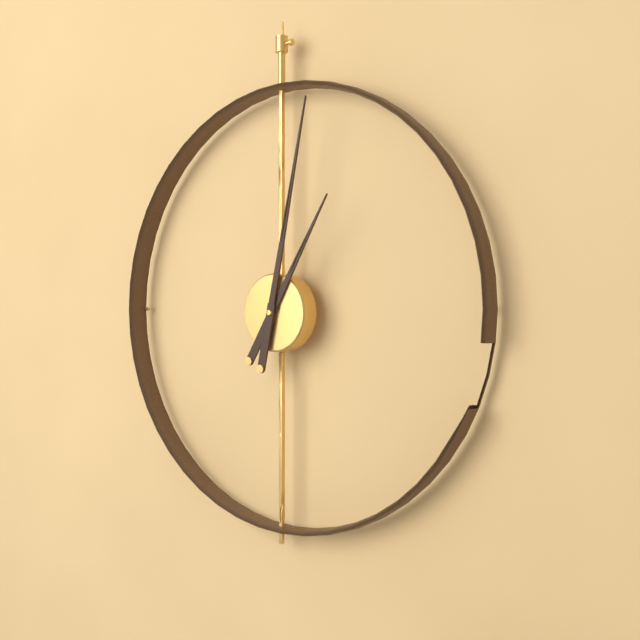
1:02
